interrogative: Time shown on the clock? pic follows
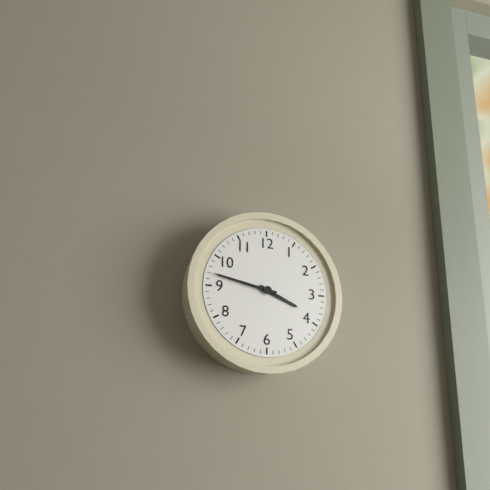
3:47
